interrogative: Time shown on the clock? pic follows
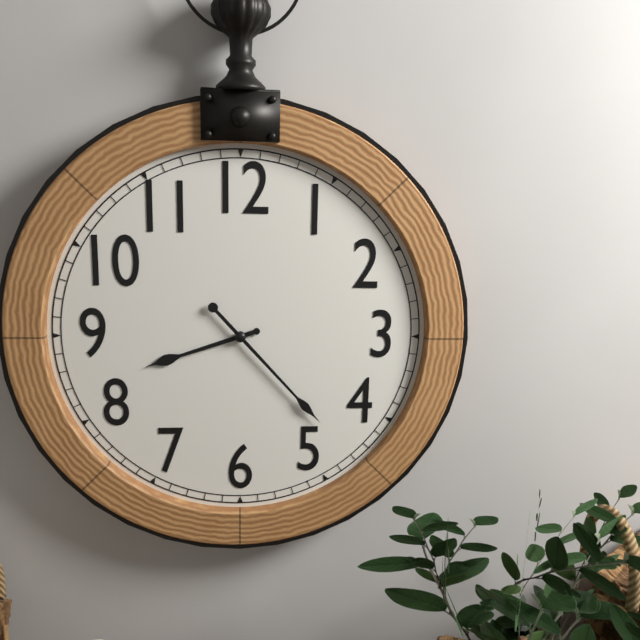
8:23
